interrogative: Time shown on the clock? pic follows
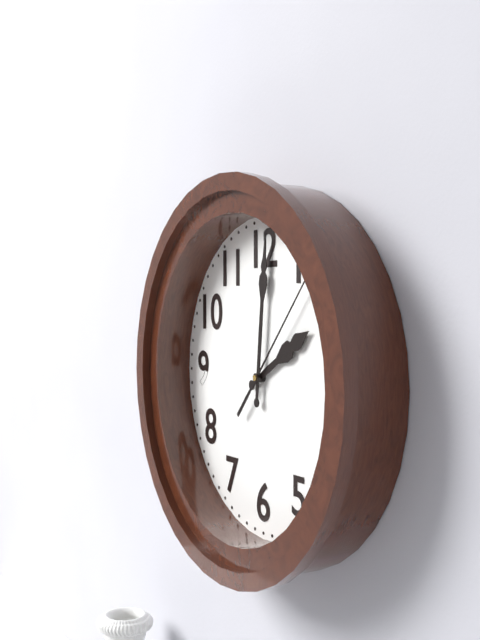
2:01:07
